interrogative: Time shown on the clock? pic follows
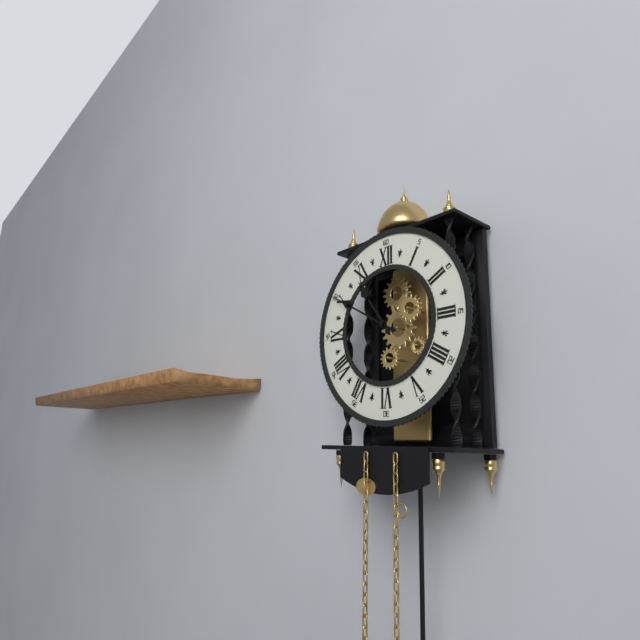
10:50
